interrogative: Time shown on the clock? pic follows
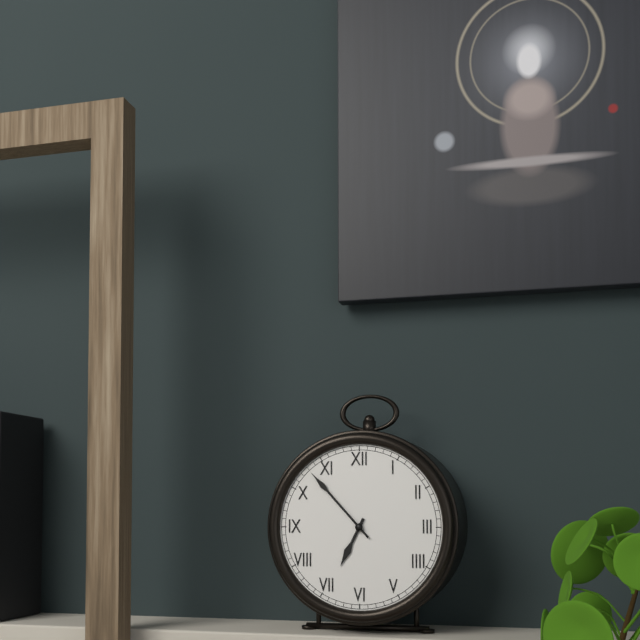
6:53
